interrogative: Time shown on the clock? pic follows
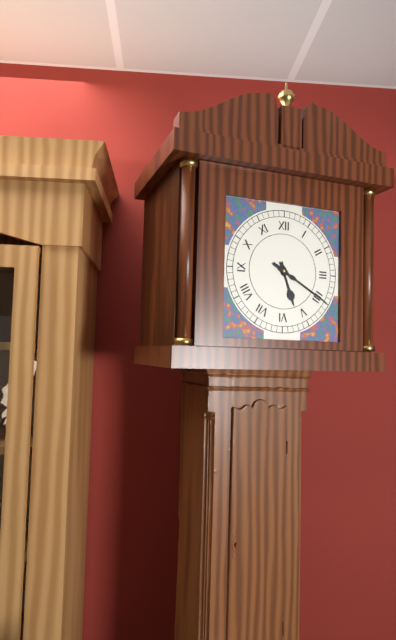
5:20
